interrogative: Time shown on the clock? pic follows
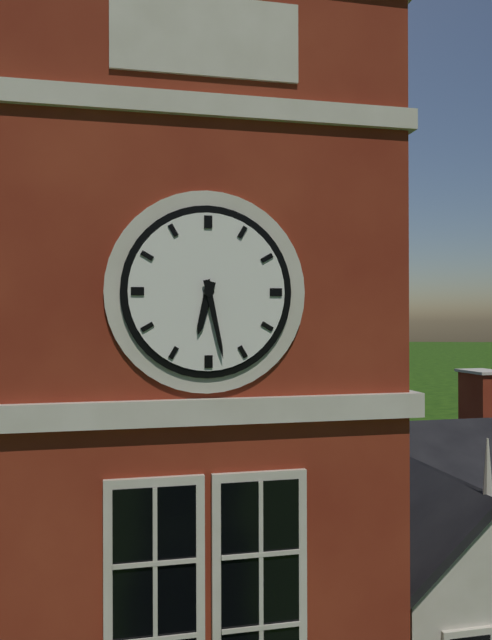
6:28
